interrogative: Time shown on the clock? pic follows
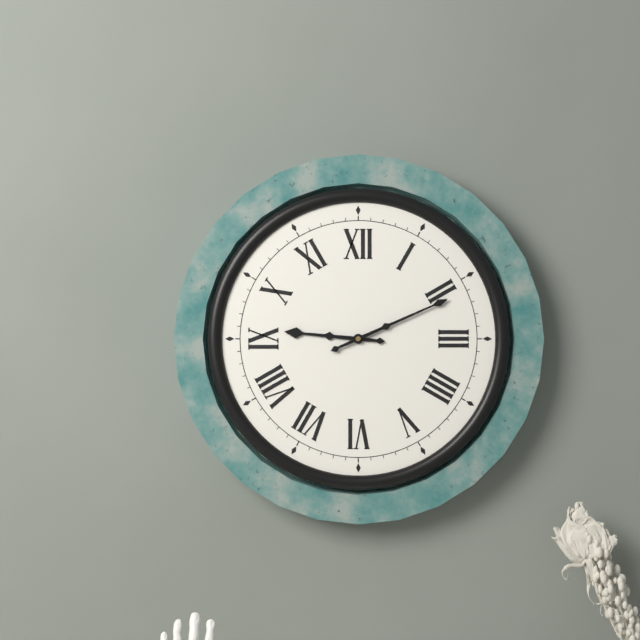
9:11
